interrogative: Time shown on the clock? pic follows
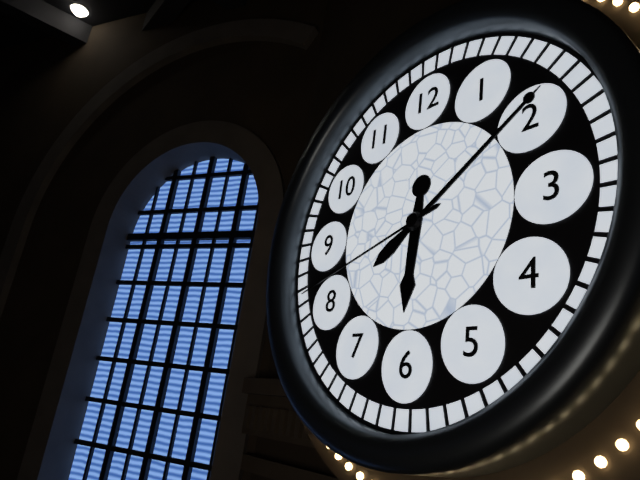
6:09:42
